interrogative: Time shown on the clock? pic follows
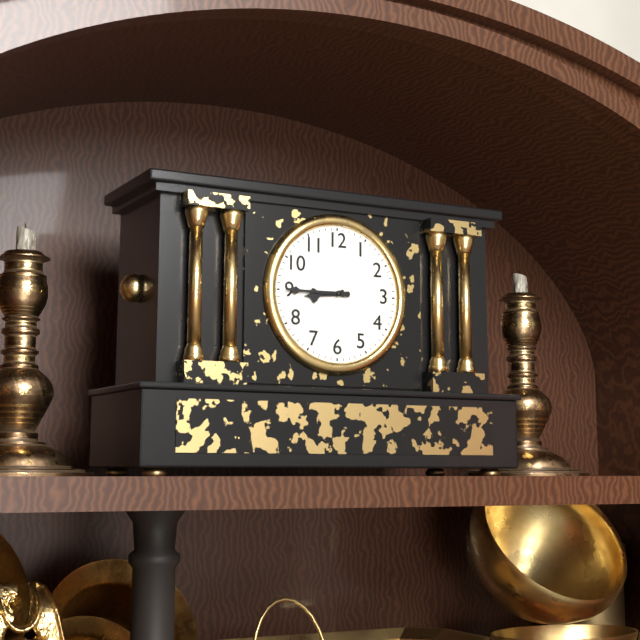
8:45
